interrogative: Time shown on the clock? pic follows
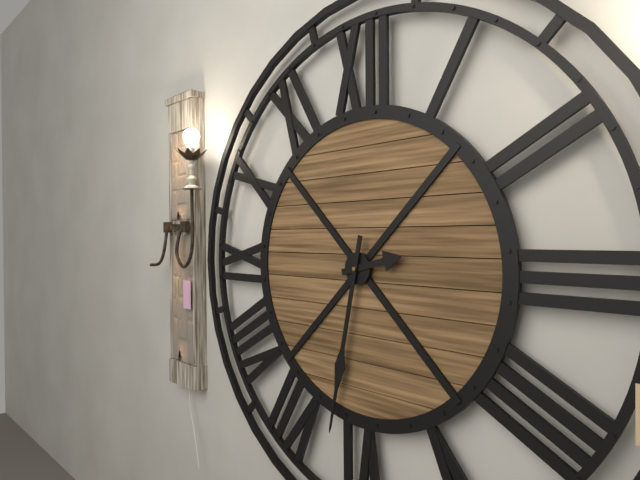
2:32
